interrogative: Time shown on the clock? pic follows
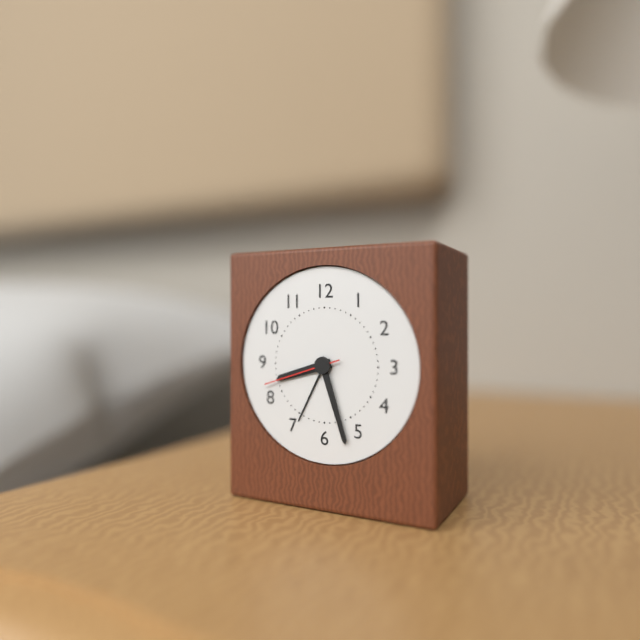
8:27:42
